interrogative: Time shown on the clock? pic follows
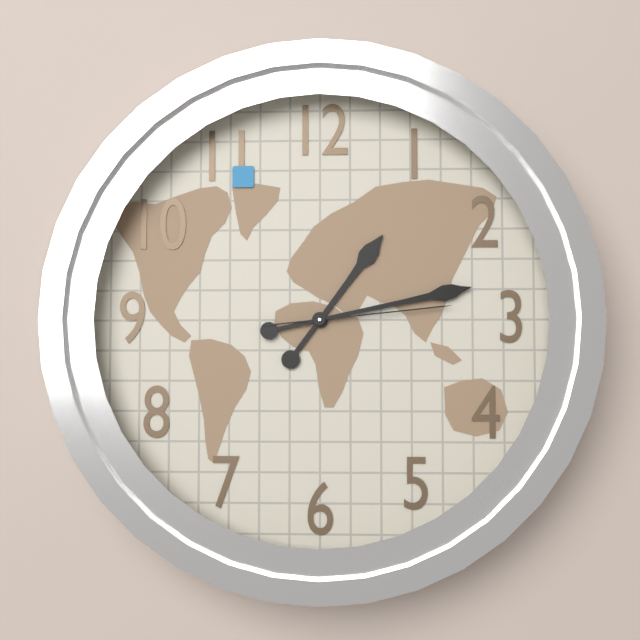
1:13:14
